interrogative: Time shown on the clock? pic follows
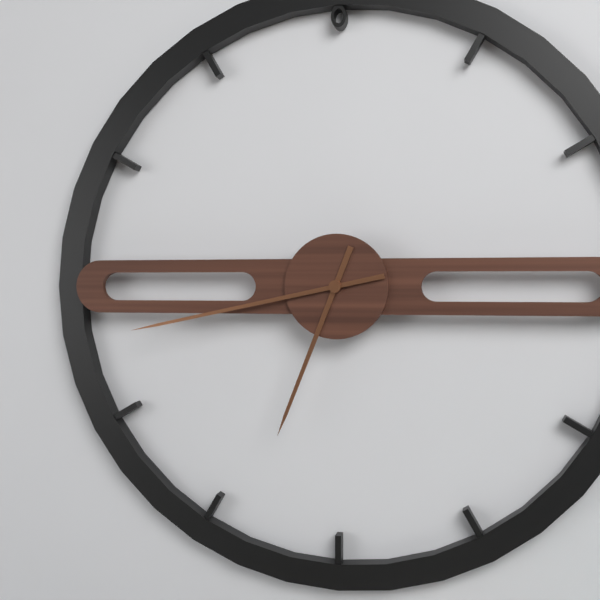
6:43
